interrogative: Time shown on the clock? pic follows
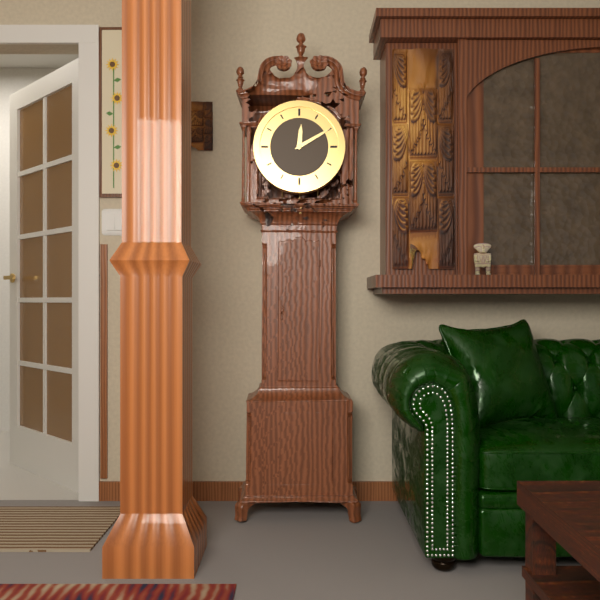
12:10
